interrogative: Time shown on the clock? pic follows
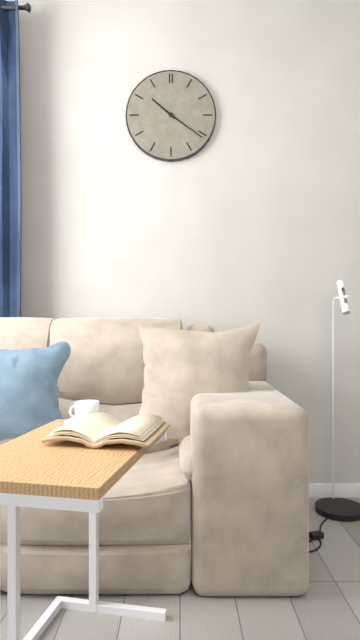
10:21
